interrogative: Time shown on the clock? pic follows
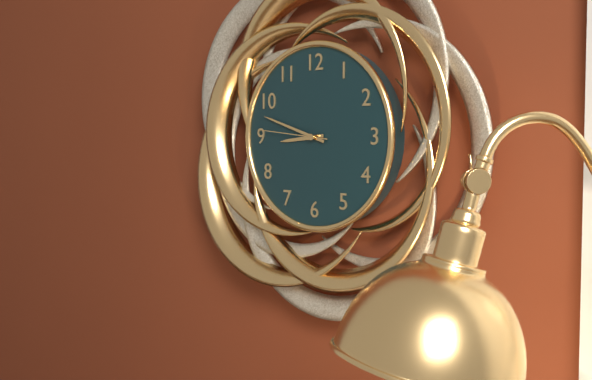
8:48:46
